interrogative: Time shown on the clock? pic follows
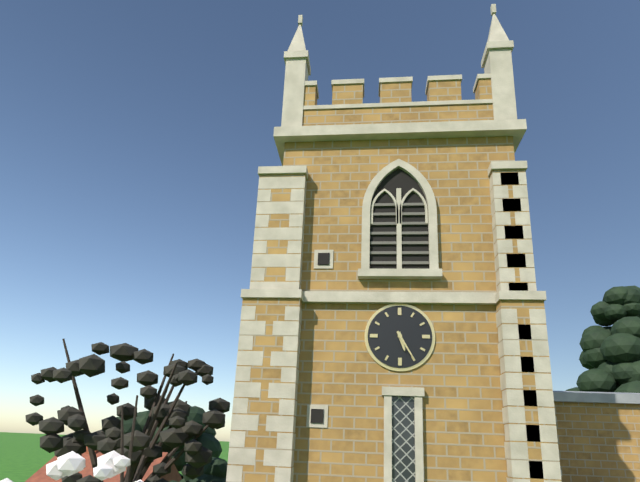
5:25
